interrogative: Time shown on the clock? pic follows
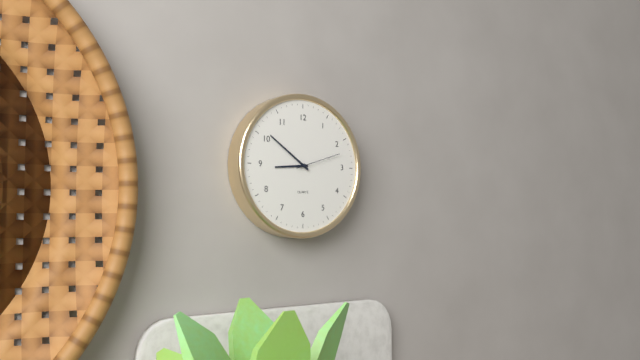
8:51
